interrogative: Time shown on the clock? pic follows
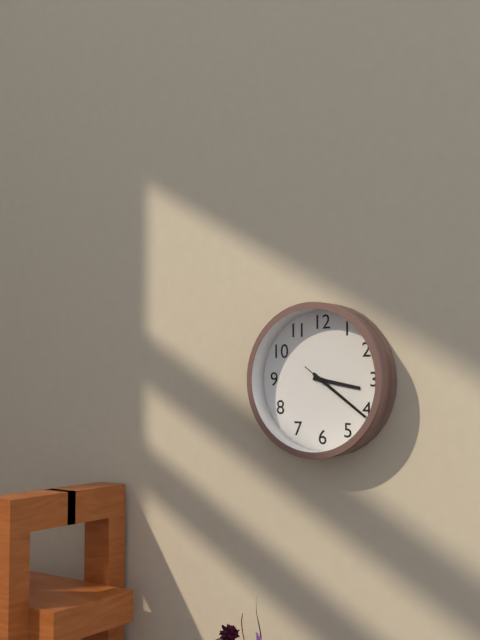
3:21:21
